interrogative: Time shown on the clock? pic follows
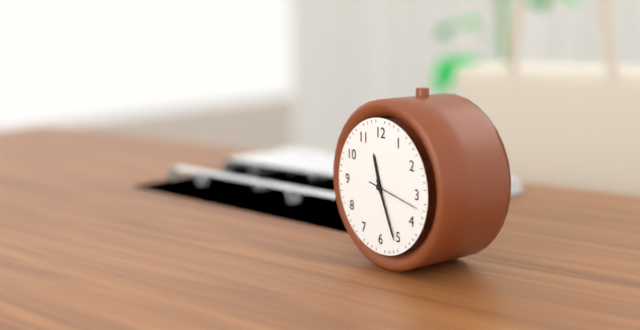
11:26:17
